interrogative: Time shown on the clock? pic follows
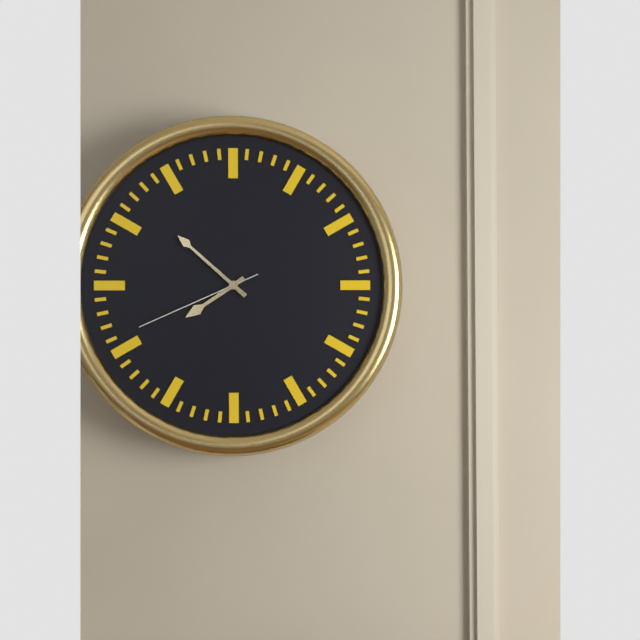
7:52:41
